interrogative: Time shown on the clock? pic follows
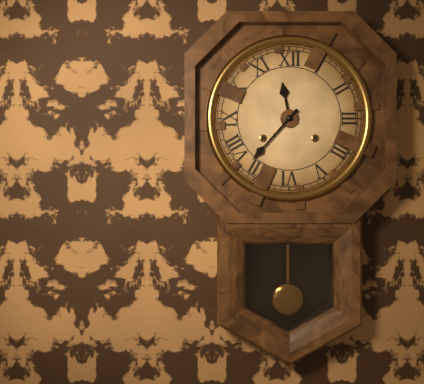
11:37
